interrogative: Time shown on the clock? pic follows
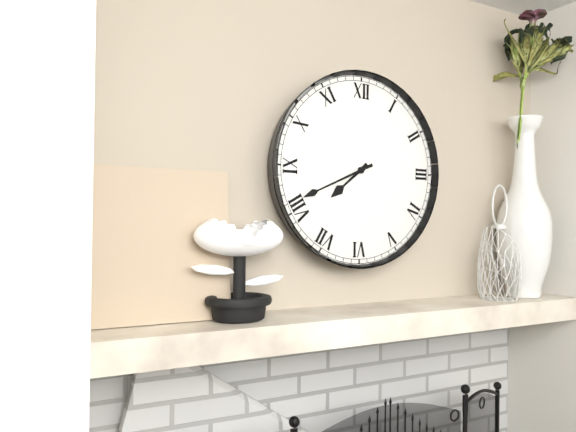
7:41
